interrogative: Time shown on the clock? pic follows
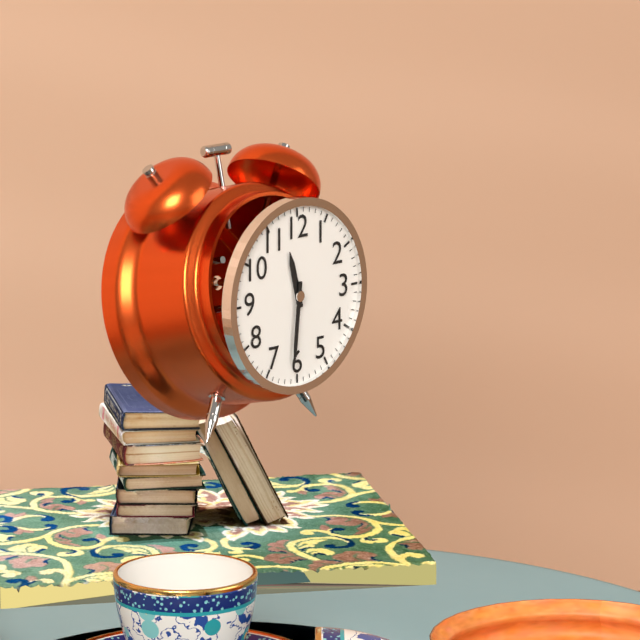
11:31
